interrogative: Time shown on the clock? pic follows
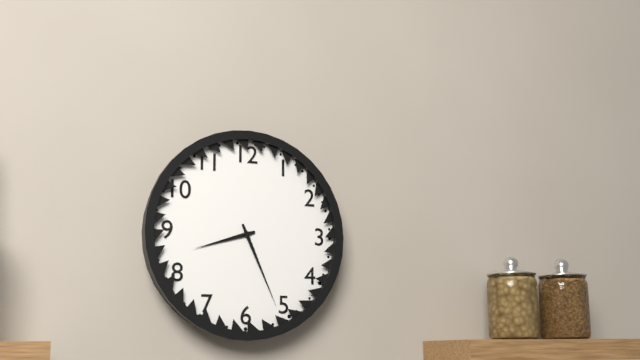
8:26
